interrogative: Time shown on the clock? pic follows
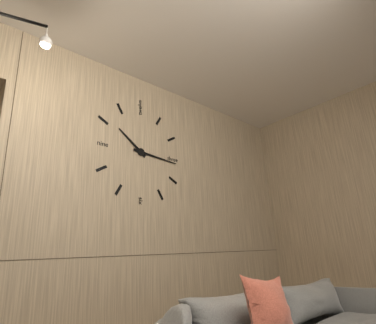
10:16
